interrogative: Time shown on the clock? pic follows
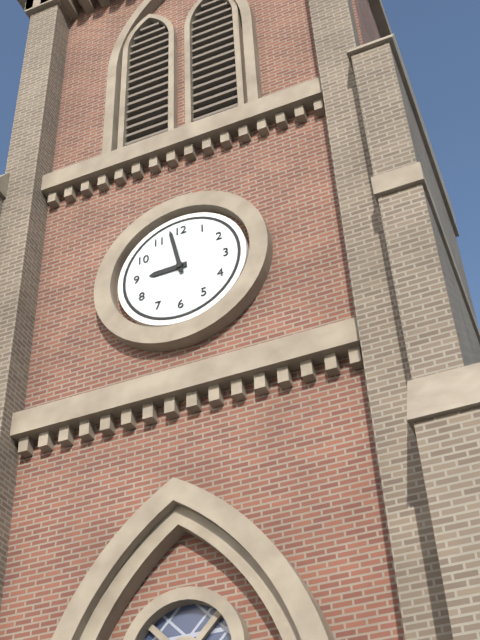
8:58
